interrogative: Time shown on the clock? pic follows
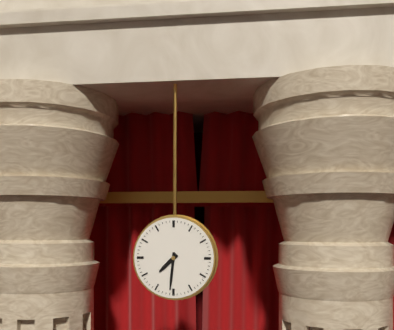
7:31
